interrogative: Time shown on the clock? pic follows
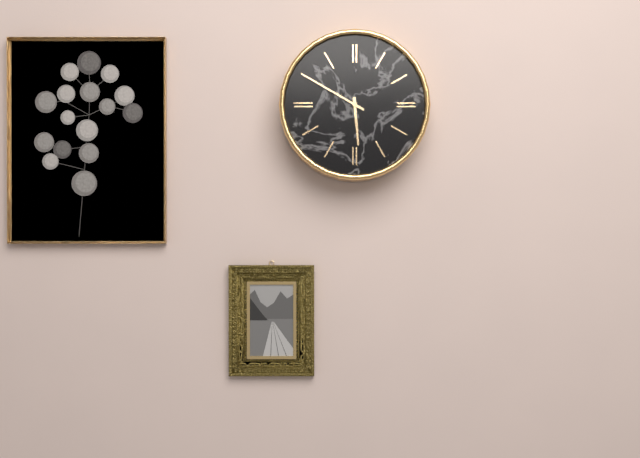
5:50
